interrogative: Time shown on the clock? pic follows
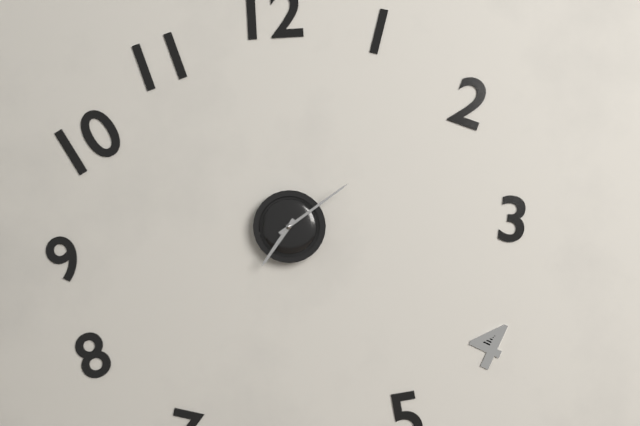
7:09
